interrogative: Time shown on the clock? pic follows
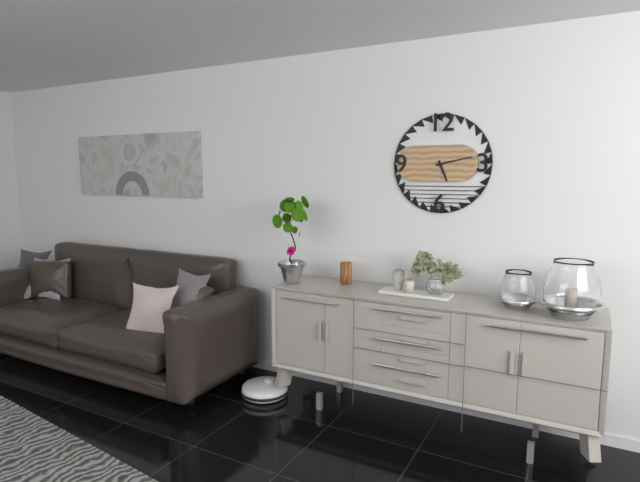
5:13
